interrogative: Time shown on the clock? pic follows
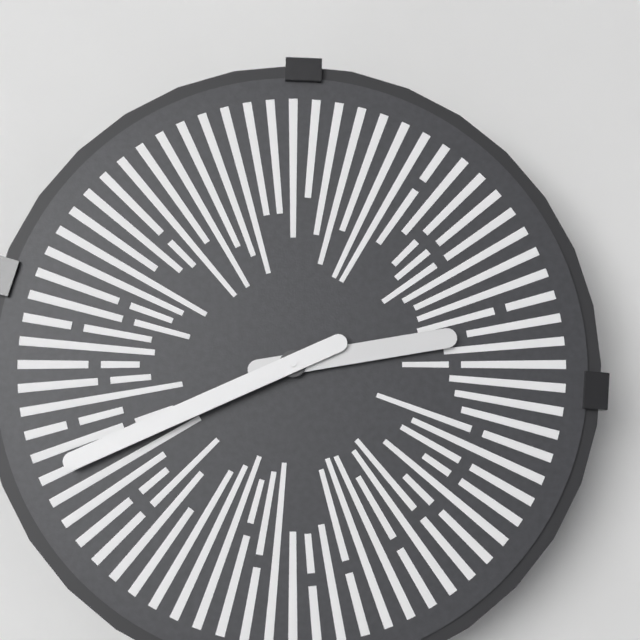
2:41
